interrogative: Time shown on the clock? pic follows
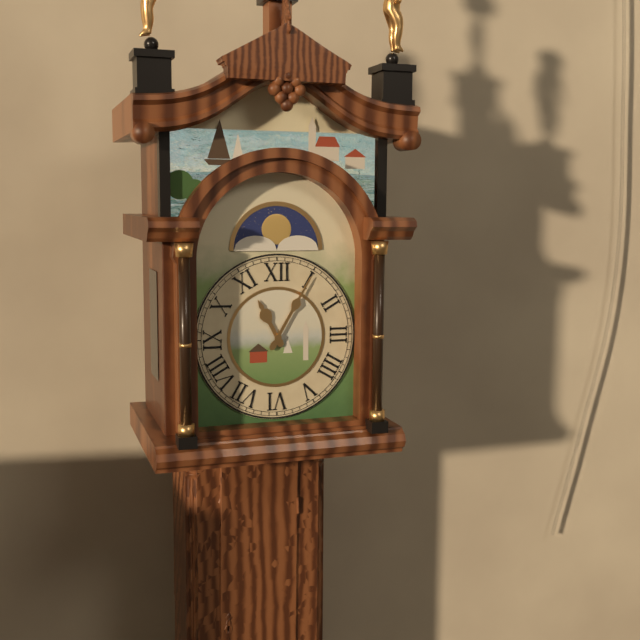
11:05
